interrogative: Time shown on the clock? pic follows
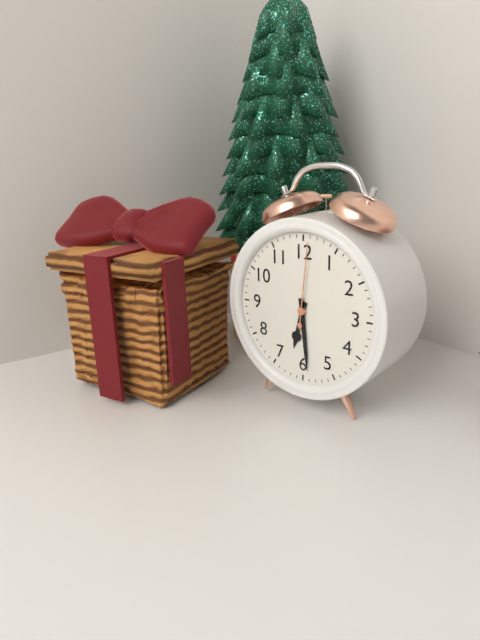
6:29:01
